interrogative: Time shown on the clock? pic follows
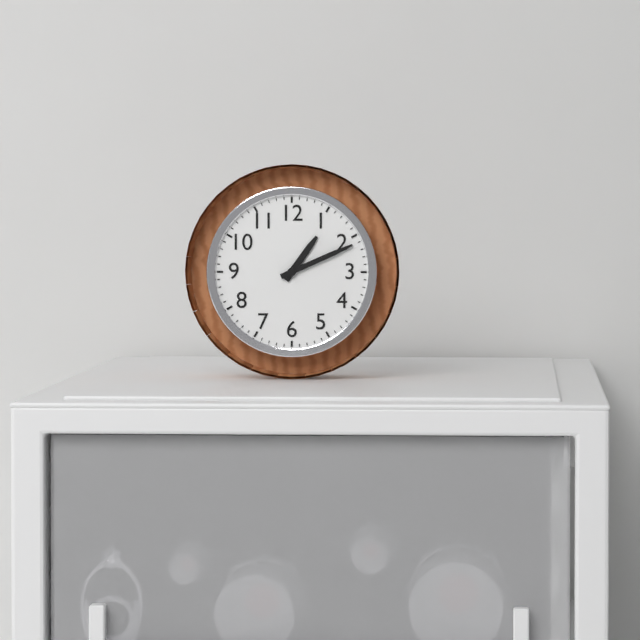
1:11
